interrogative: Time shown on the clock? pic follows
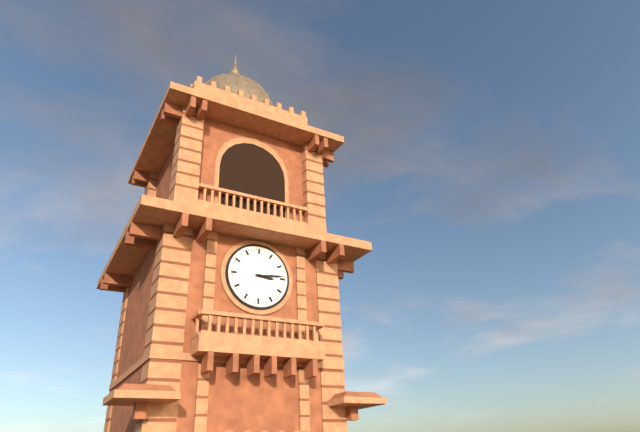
3:14
